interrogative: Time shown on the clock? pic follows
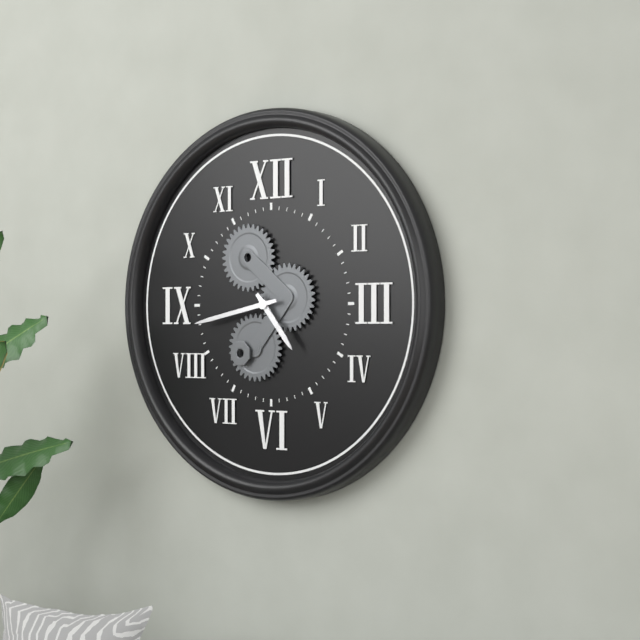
4:43
